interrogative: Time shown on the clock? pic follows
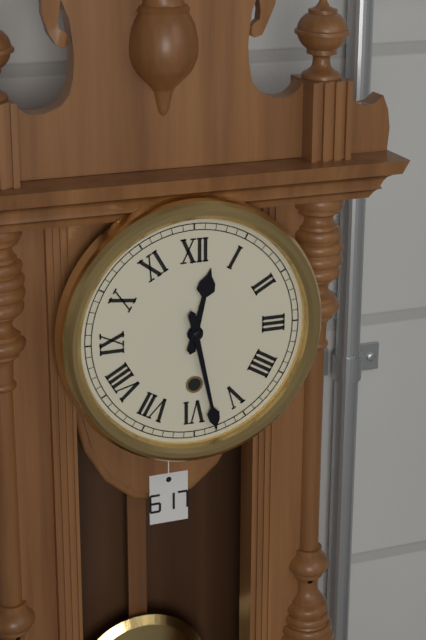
12:28
